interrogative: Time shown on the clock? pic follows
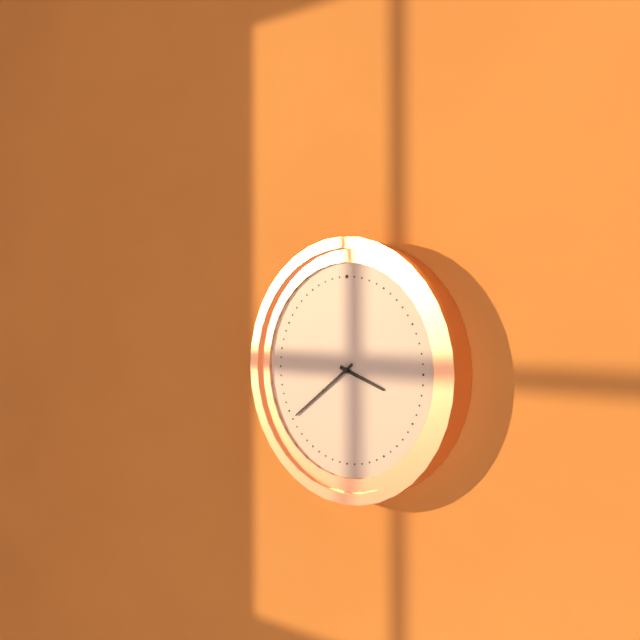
3:39
